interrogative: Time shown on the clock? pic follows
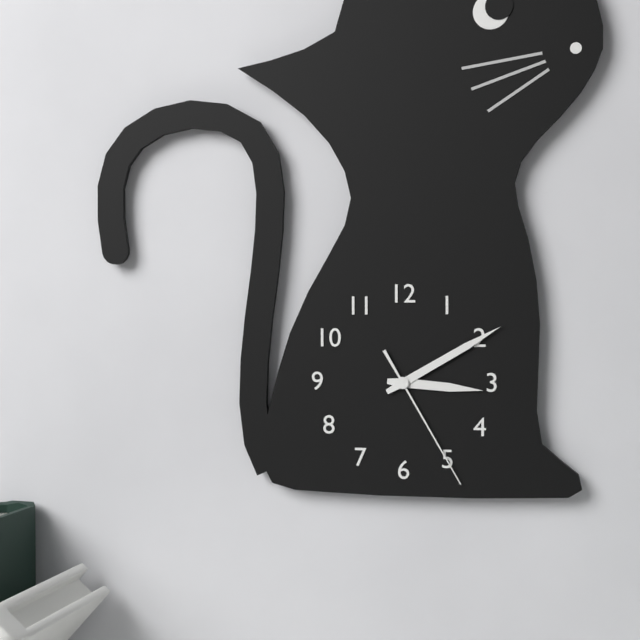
3:10:25
